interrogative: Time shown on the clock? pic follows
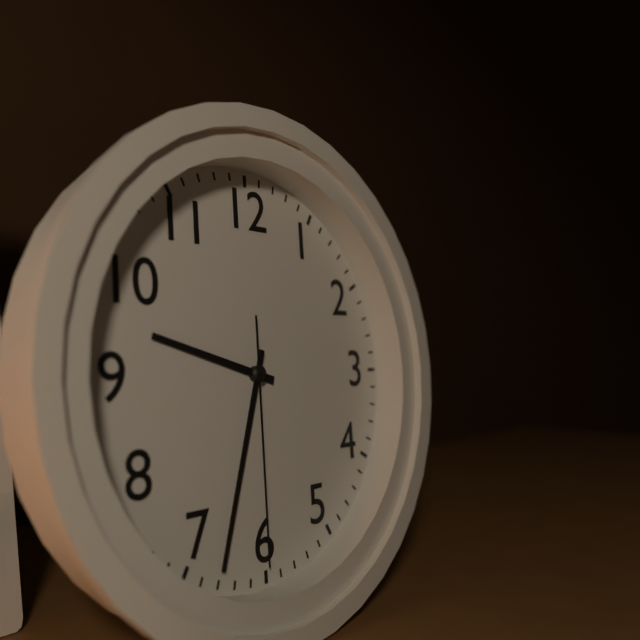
9:33:30
